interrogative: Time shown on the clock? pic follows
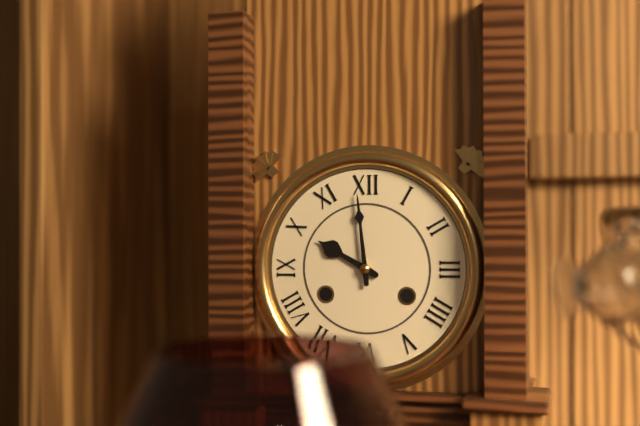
9:59
